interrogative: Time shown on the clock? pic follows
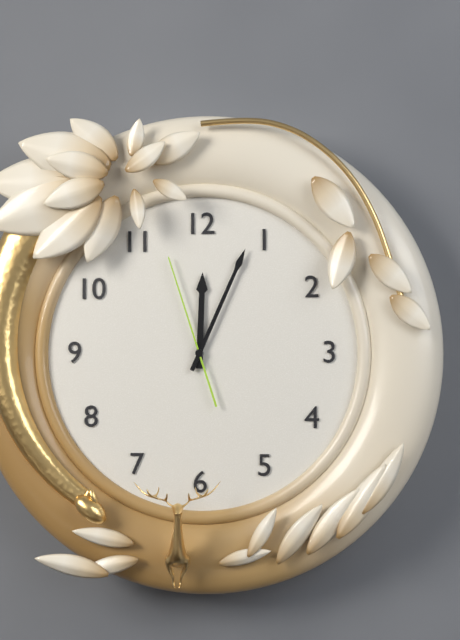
12:04:57
